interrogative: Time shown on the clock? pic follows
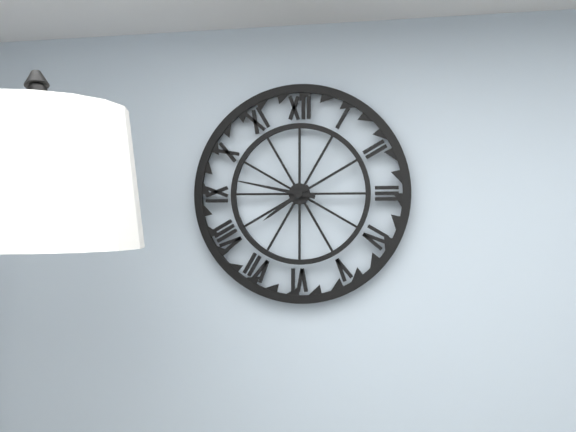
7:47
